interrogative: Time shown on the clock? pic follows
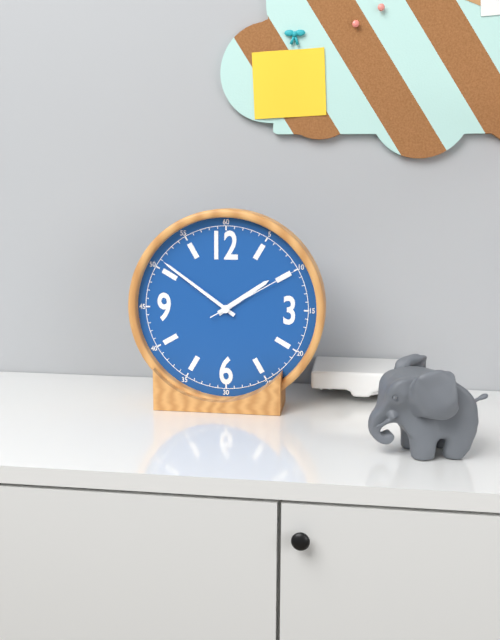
1:51:10
